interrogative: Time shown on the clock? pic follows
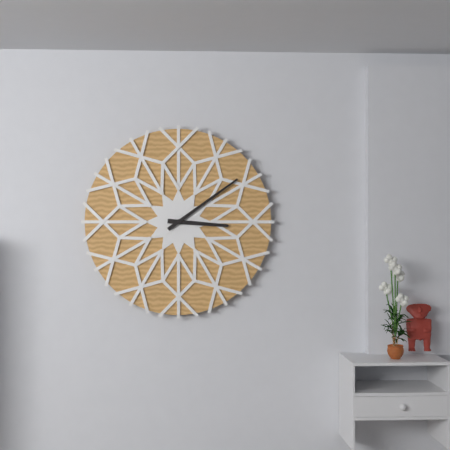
3:09
